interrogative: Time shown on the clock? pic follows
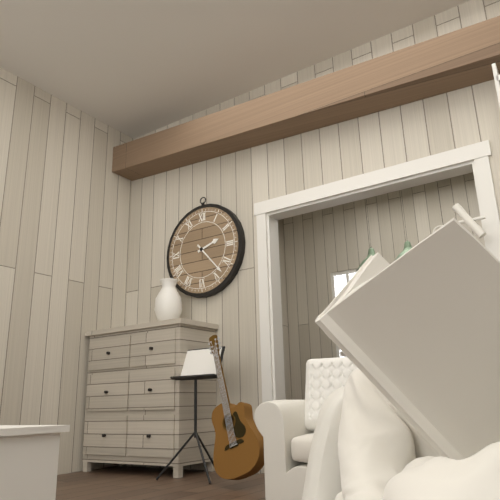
2:23
